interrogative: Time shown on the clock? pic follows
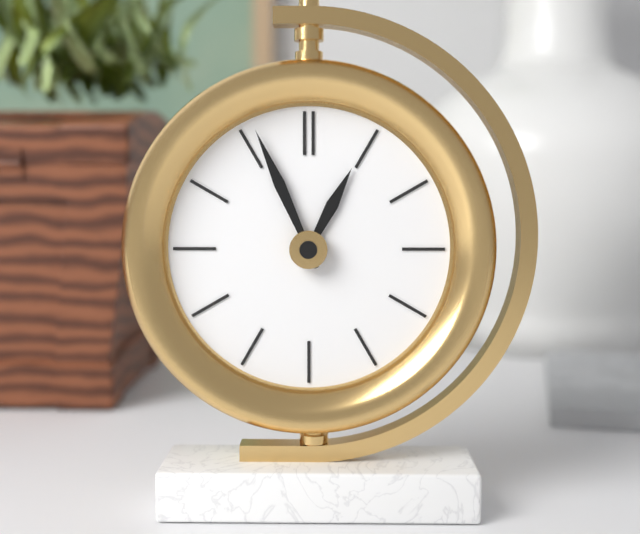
12:56
